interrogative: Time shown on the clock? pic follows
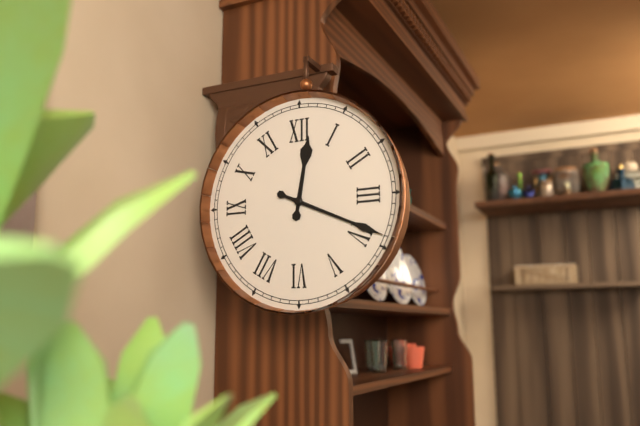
12:19
